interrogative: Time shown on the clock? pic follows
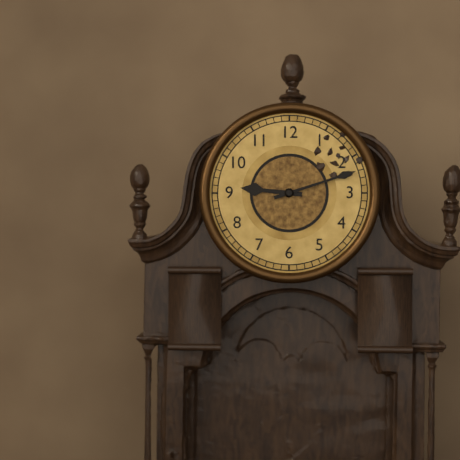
9:12
